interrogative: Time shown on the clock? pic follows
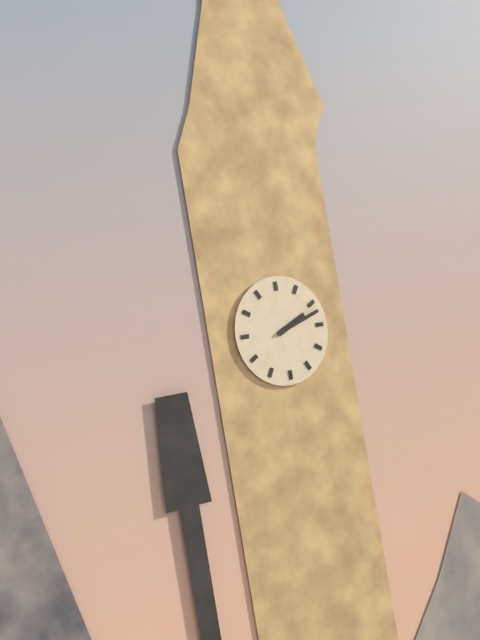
2:12
